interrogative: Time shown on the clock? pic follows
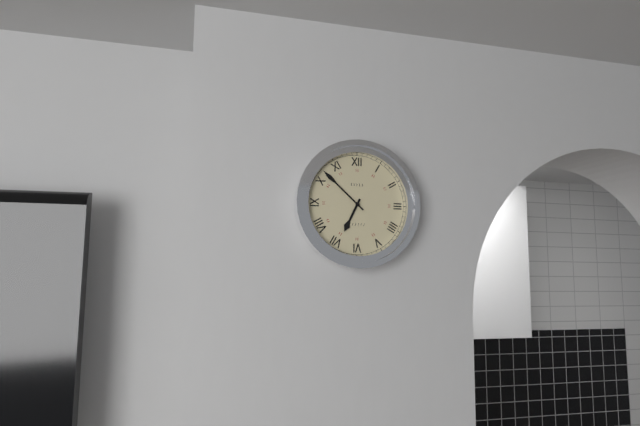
6:52
